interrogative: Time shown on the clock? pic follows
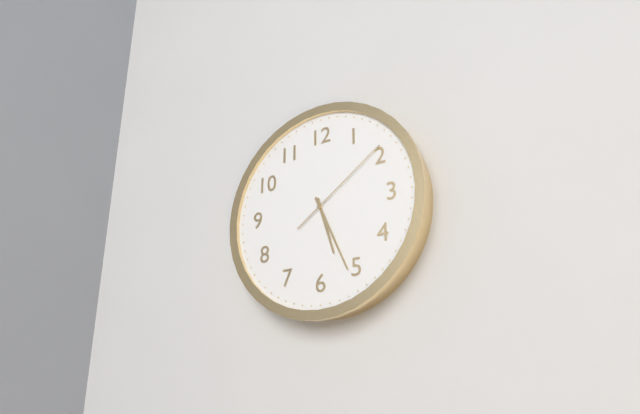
5:26:09
